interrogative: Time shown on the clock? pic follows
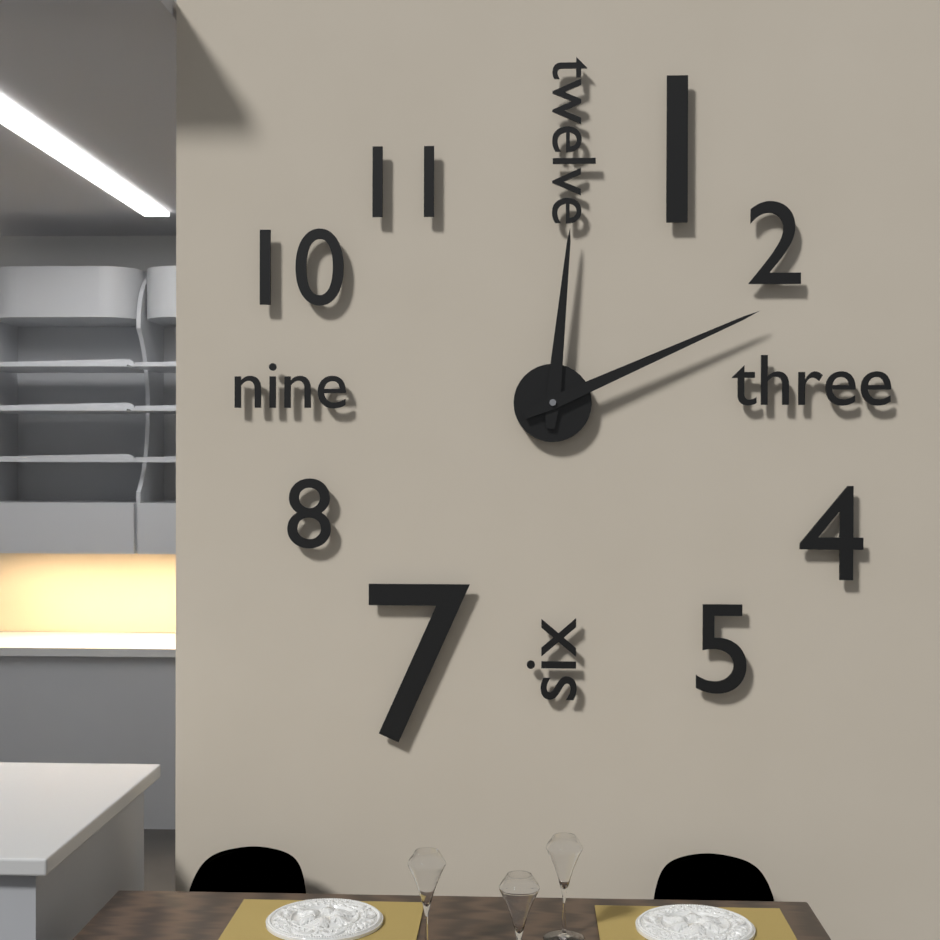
12:11
